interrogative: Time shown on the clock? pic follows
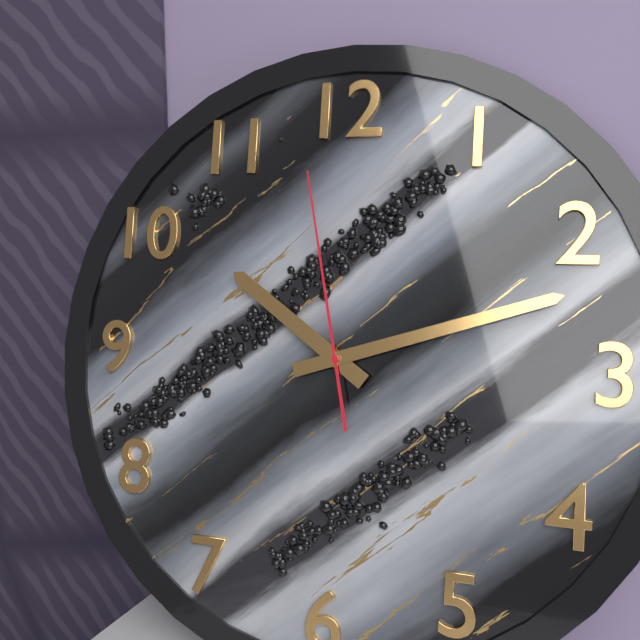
10:12:58
